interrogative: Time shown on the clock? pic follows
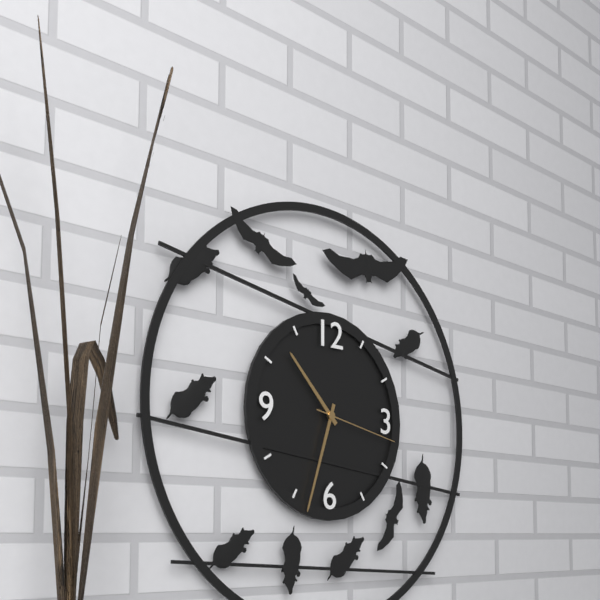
10:33:17
